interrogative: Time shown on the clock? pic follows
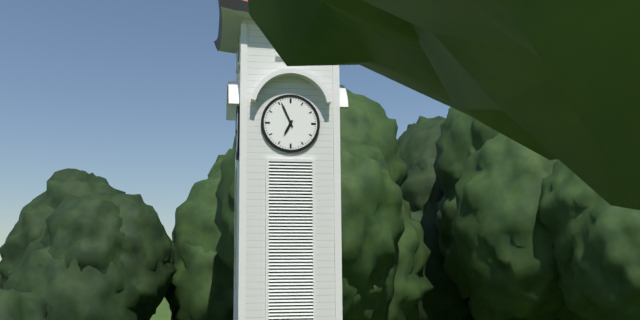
6:56
